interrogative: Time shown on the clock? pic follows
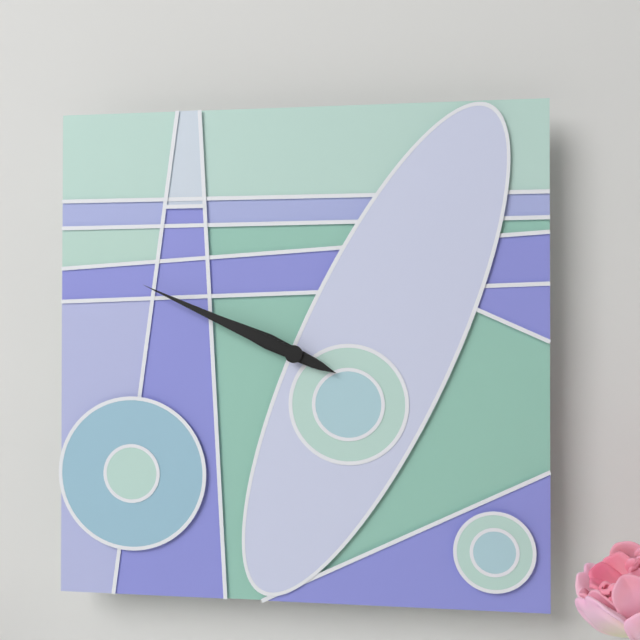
9:49
